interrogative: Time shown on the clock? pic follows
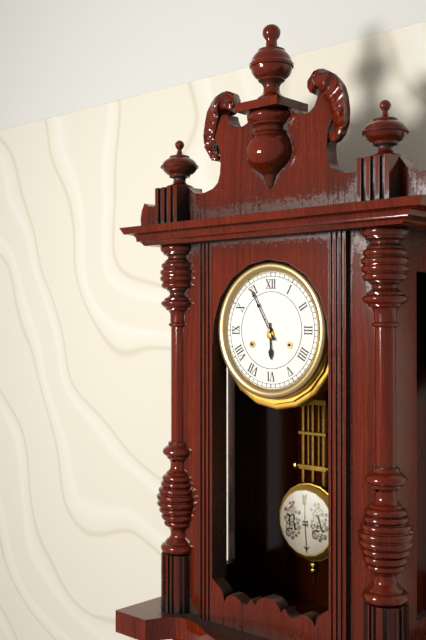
5:55
